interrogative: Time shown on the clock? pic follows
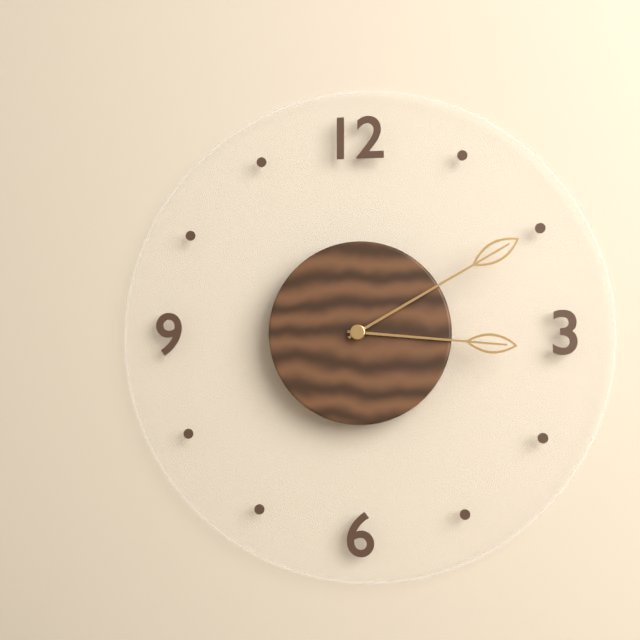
3:10
